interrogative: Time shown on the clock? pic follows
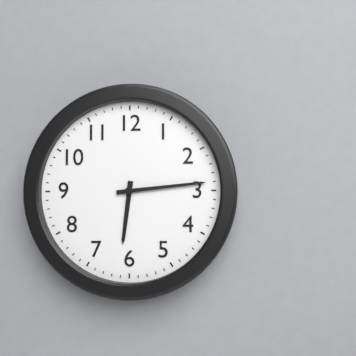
6:14
